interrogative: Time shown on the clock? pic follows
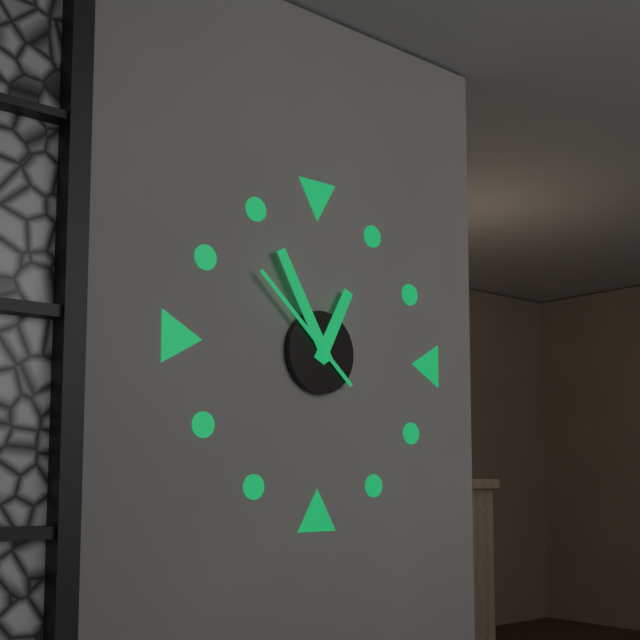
12:55:52
